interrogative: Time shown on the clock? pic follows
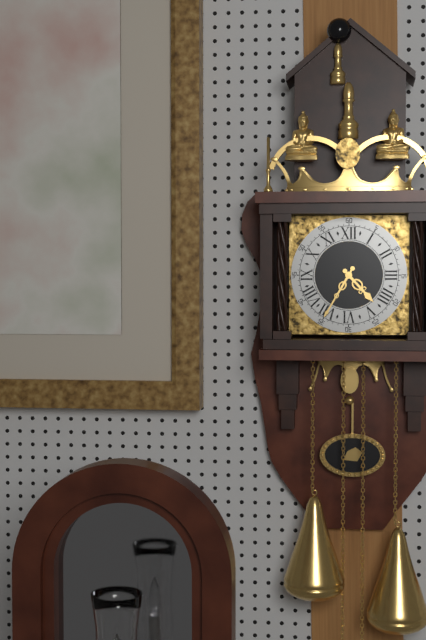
4:35
